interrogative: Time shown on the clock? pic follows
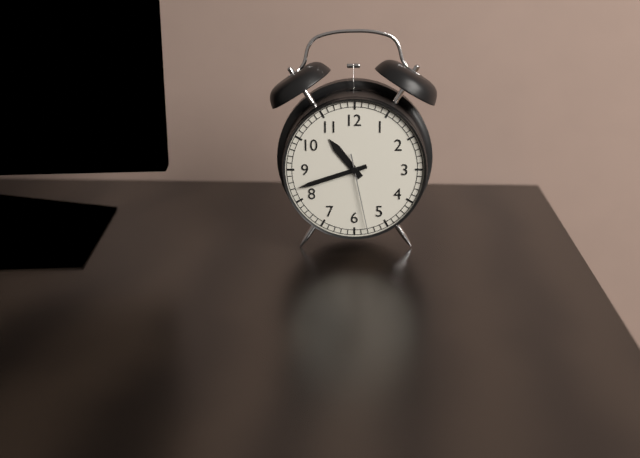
10:42:28
